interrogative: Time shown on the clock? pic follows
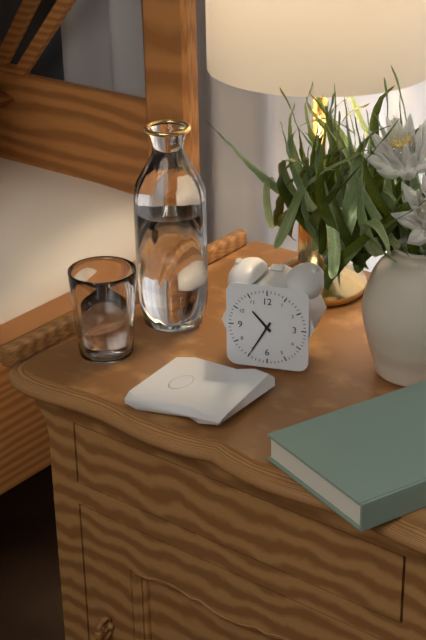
10:35
